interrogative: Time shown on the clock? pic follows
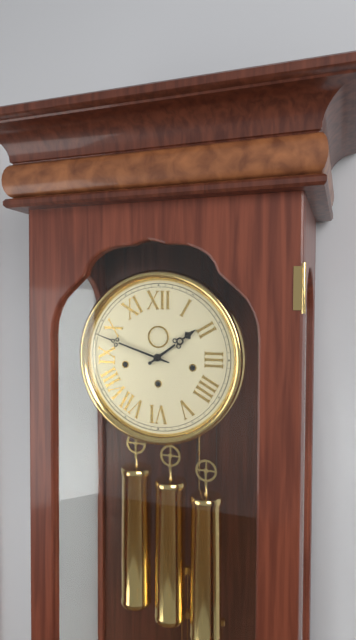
1:48
